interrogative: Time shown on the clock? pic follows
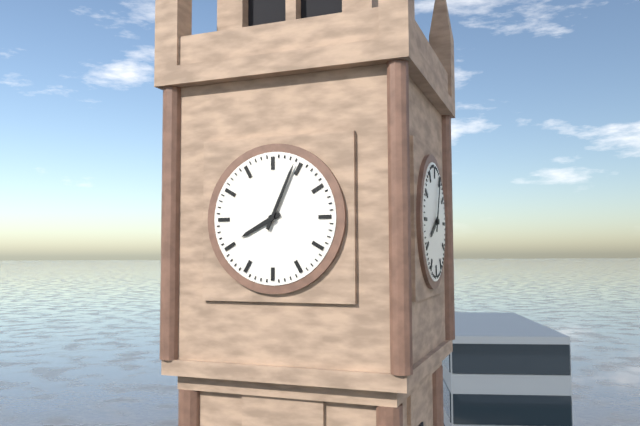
8:04
